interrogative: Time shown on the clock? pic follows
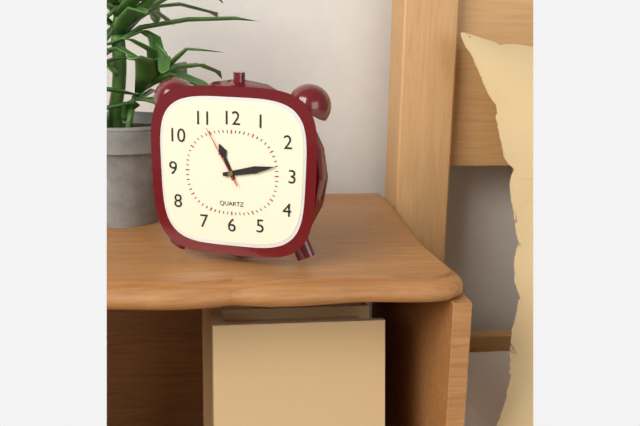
11:13:55
